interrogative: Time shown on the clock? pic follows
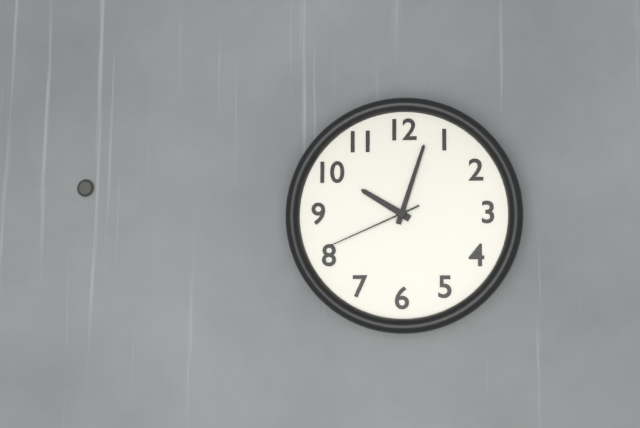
10:03:41
